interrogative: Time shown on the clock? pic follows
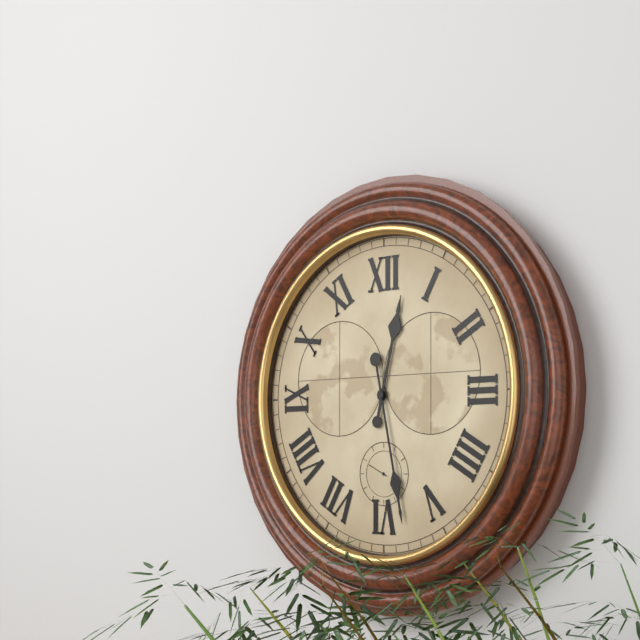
12:28
